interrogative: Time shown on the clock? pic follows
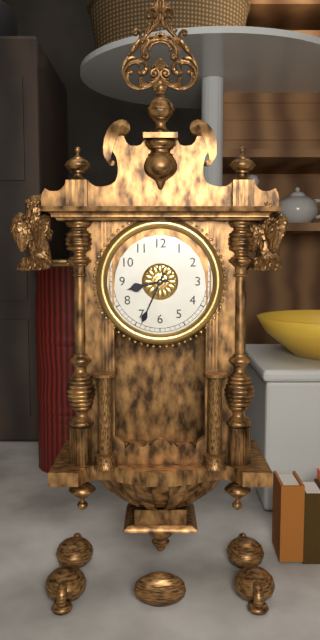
8:34
